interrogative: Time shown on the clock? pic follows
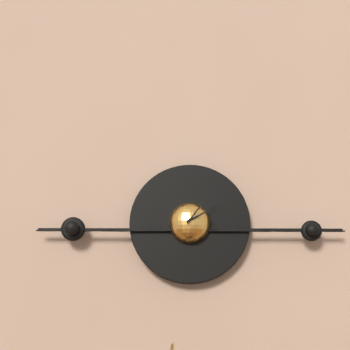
2:06
